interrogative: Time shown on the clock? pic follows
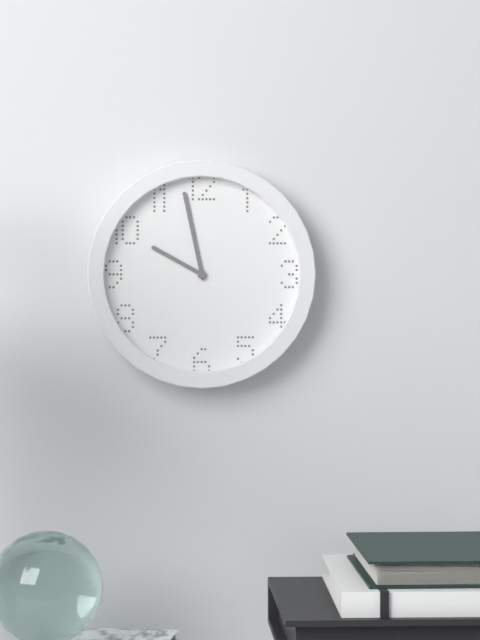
9:58
